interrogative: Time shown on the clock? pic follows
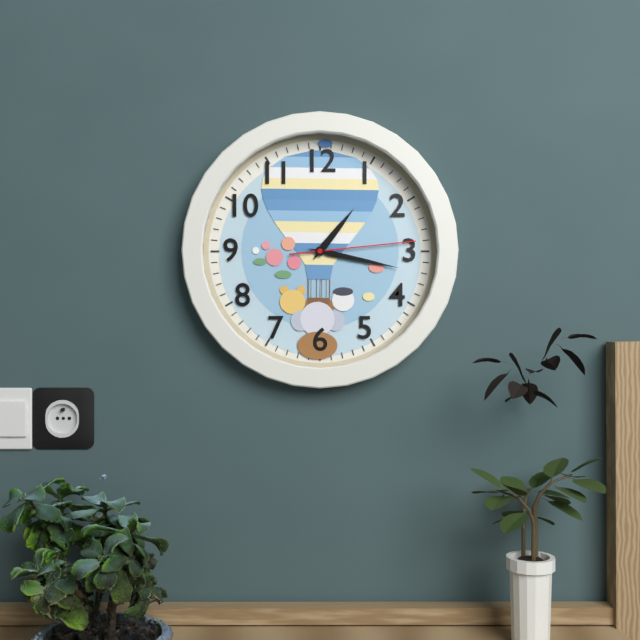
1:17:14
